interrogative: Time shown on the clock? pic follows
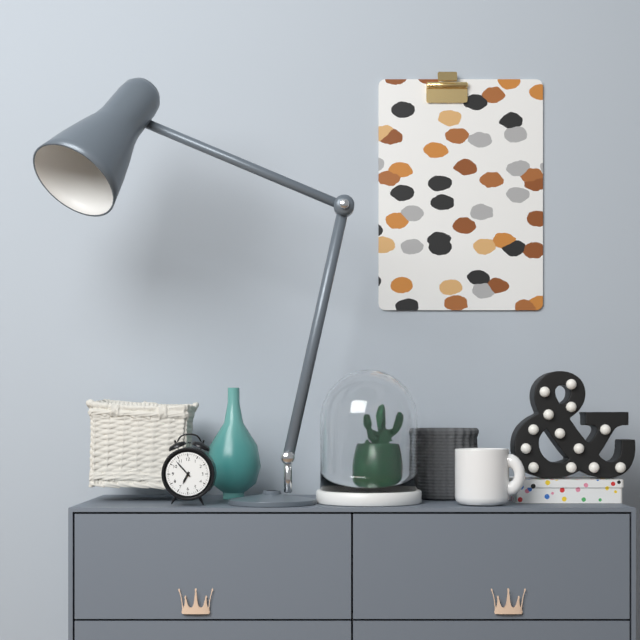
6:53
